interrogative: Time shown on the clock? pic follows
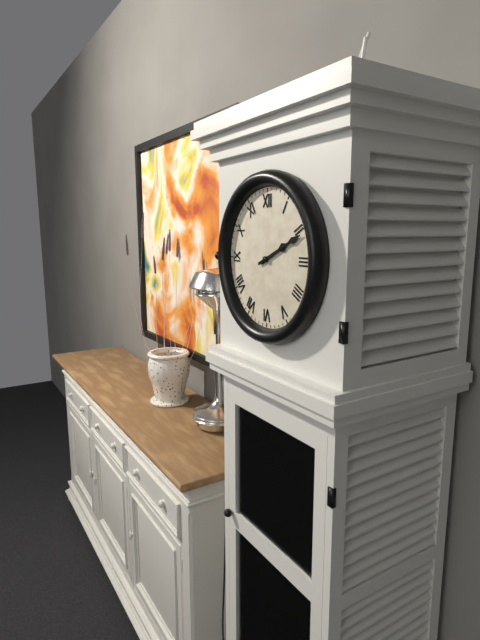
2:11
